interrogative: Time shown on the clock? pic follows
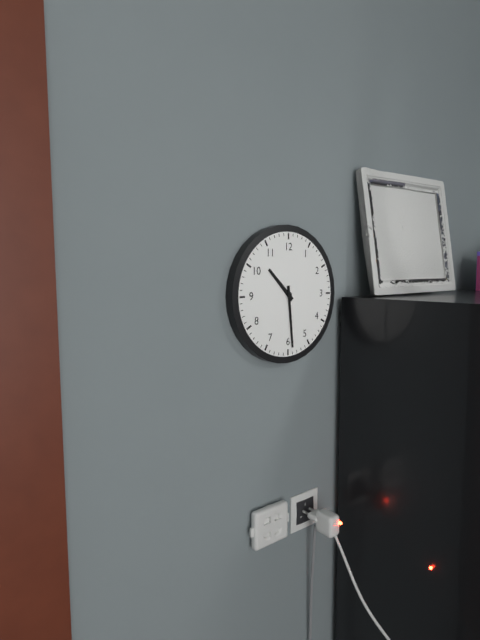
10:29
